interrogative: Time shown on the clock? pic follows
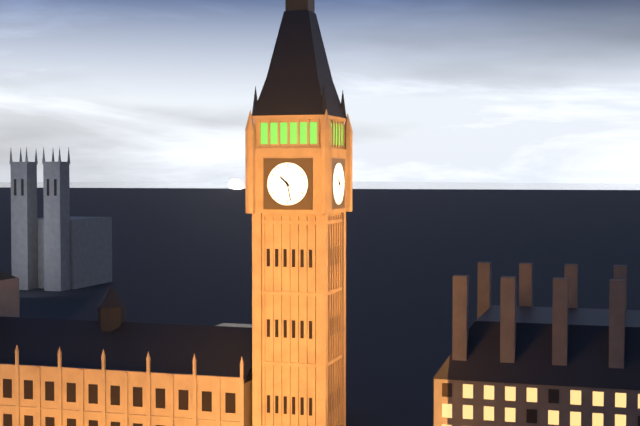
10:28
